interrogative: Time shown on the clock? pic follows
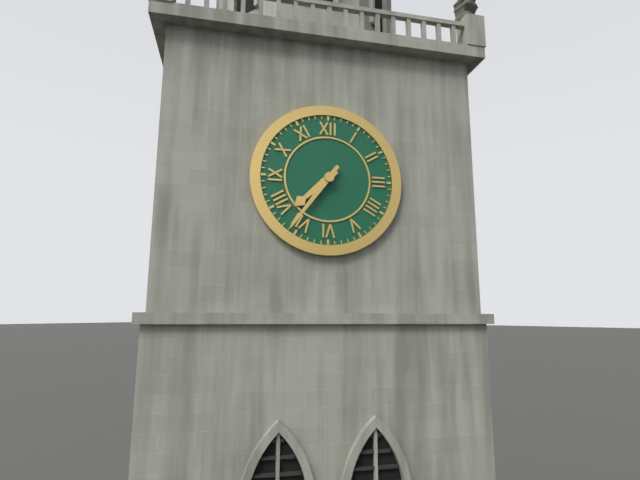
7:36
